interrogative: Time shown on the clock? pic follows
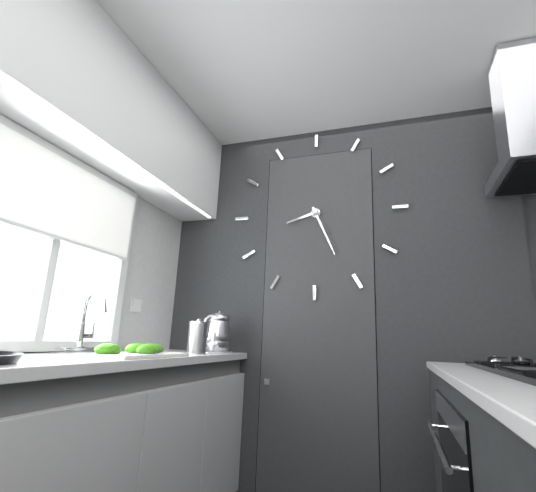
8:26
